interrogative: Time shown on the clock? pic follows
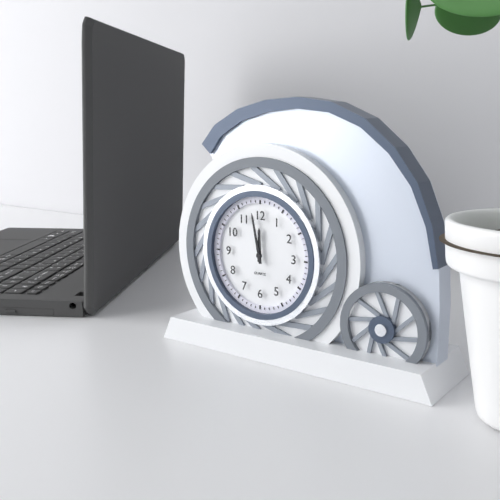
11:58
